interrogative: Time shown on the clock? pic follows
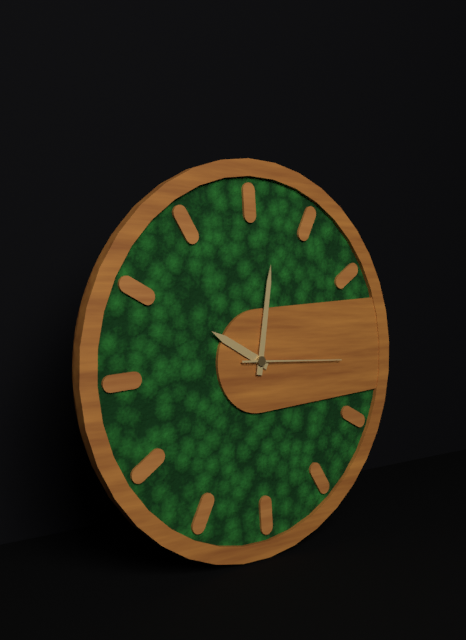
10:02:16
